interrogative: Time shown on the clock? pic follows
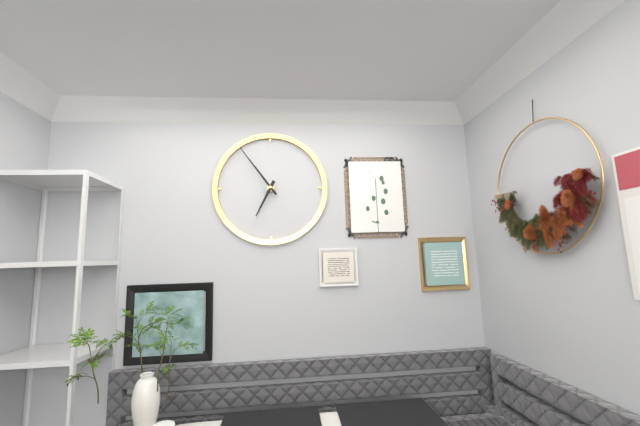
6:54
